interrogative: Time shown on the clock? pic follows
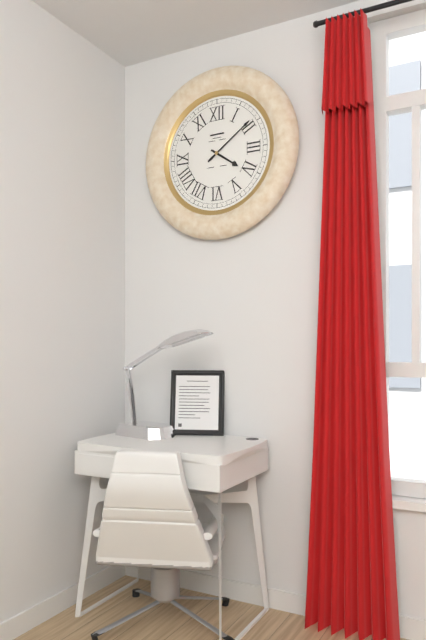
4:09
